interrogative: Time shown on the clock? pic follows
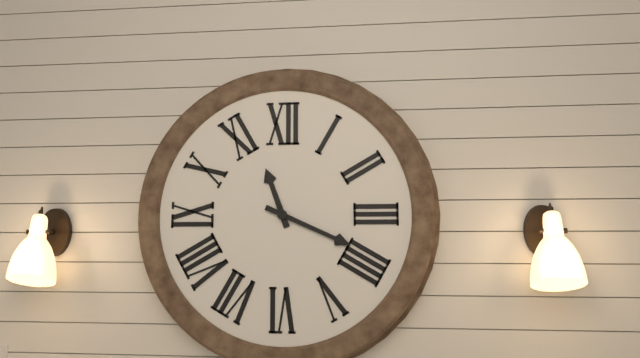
11:19
